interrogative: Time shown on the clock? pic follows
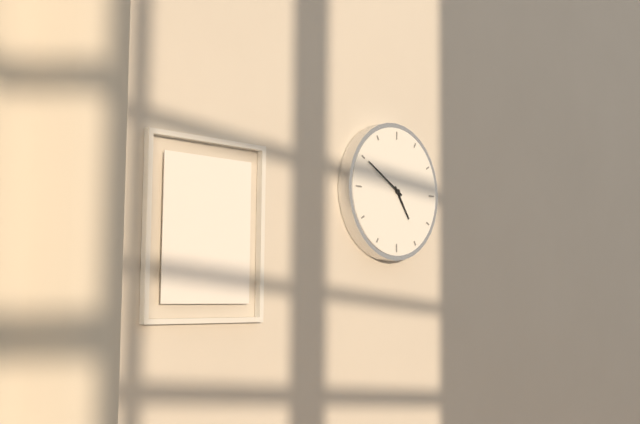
4:50
